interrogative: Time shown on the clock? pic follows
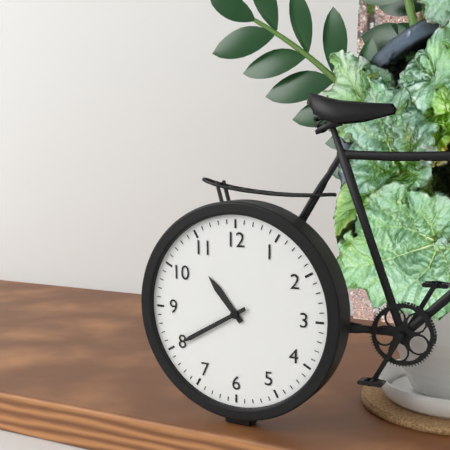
10:40
